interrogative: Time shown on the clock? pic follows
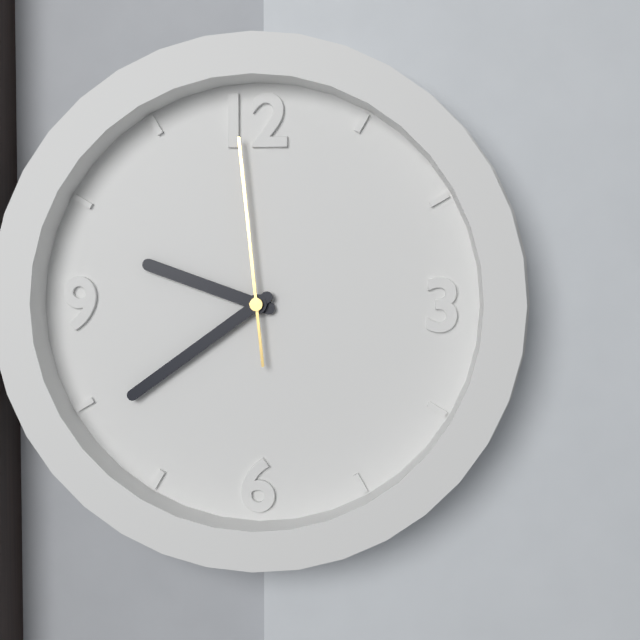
9:39:59
